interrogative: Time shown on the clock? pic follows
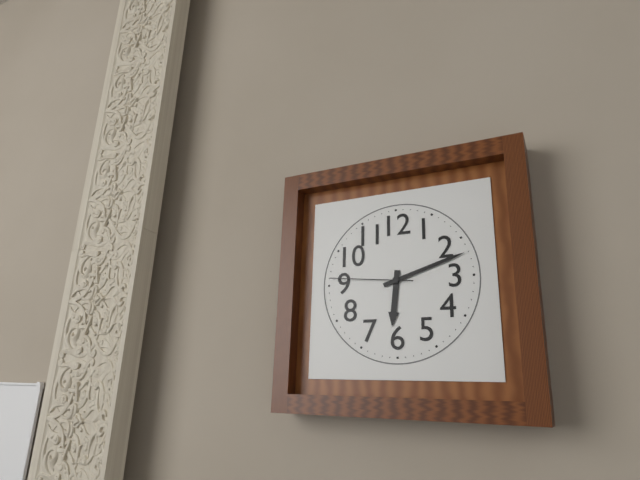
6:12:46
